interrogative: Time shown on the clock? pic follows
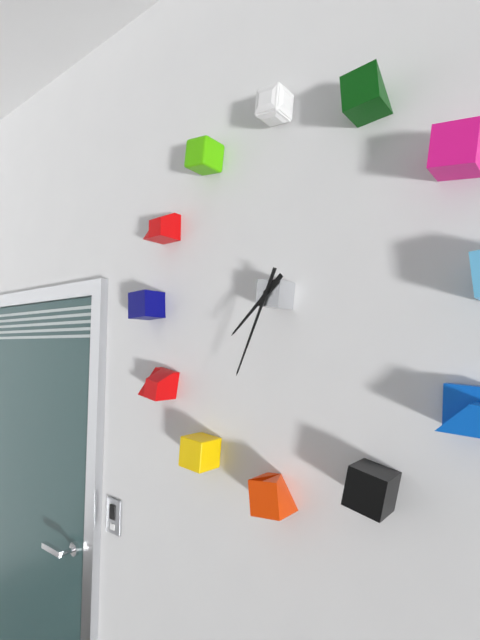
7:34
